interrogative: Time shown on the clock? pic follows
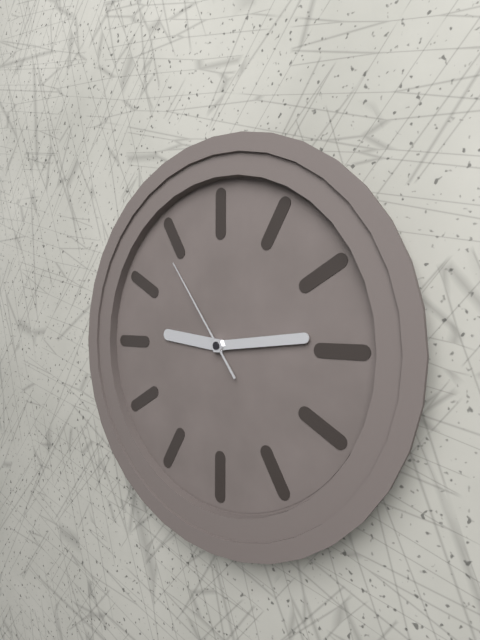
9:14:54
